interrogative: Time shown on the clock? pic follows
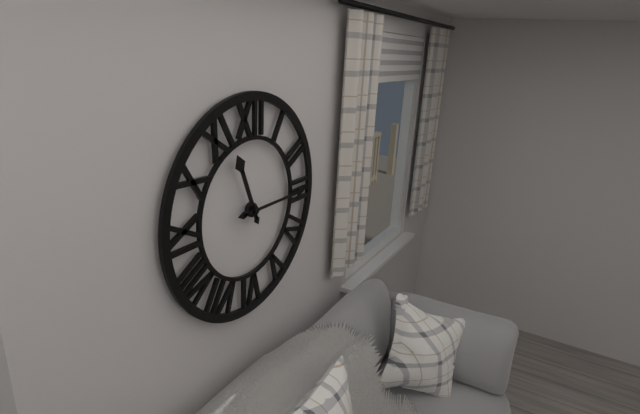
11:15
